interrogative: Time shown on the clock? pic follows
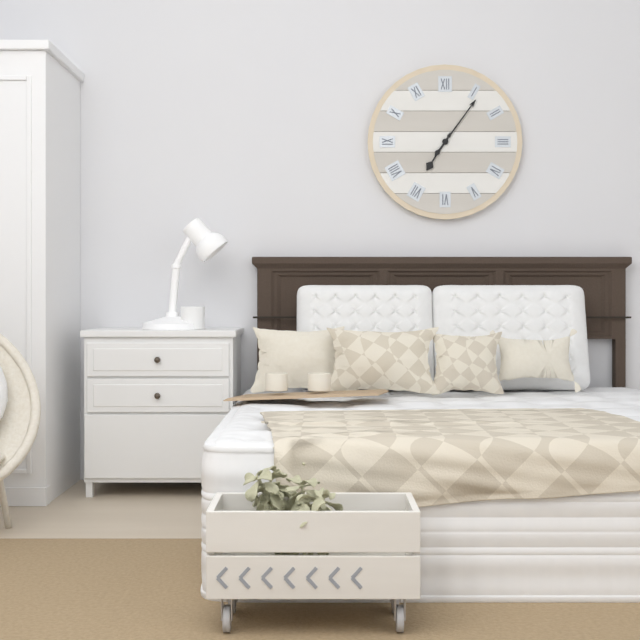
7:06
